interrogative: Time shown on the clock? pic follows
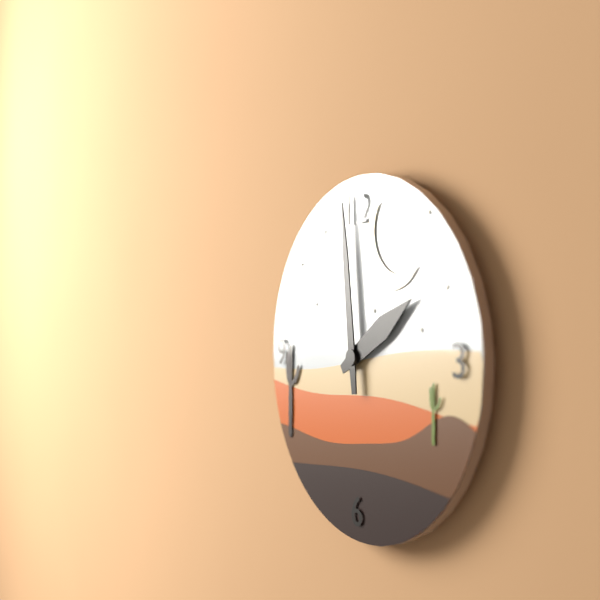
1:59
